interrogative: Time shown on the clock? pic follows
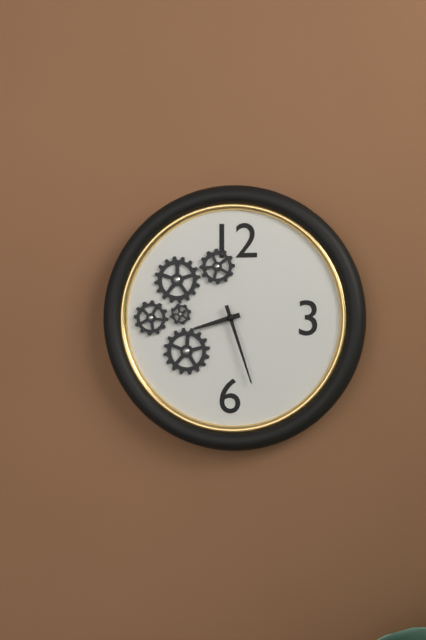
8:27
